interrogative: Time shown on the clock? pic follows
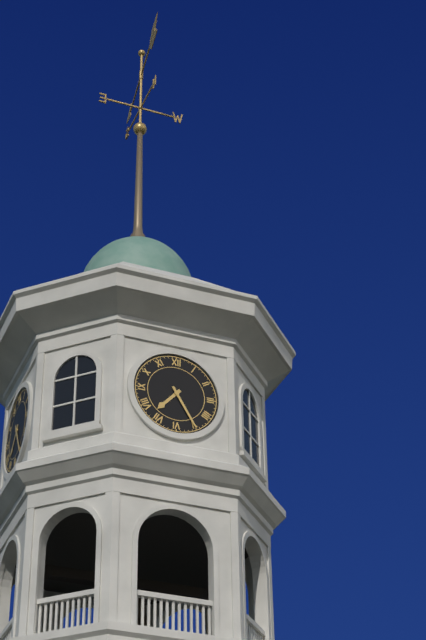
7:25
